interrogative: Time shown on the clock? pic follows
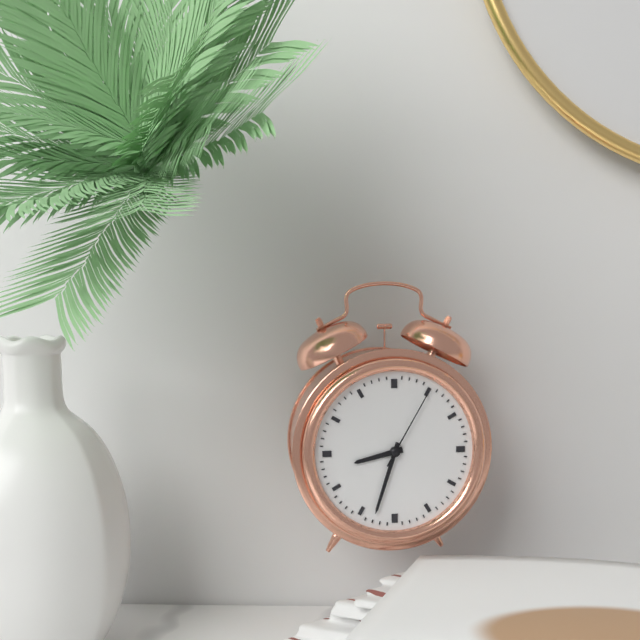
8:33:05
